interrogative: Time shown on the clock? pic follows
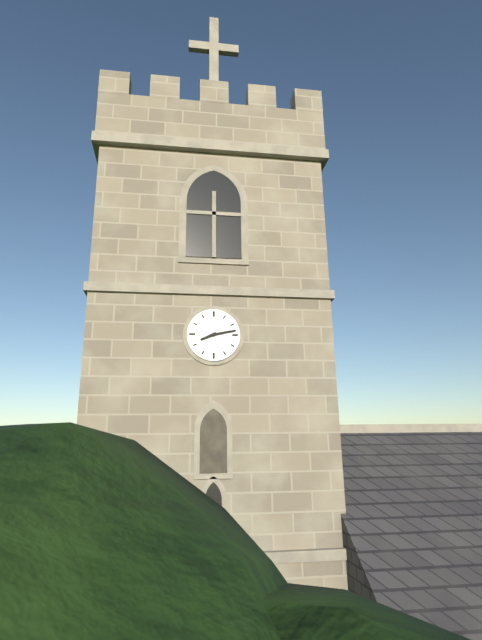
8:13
